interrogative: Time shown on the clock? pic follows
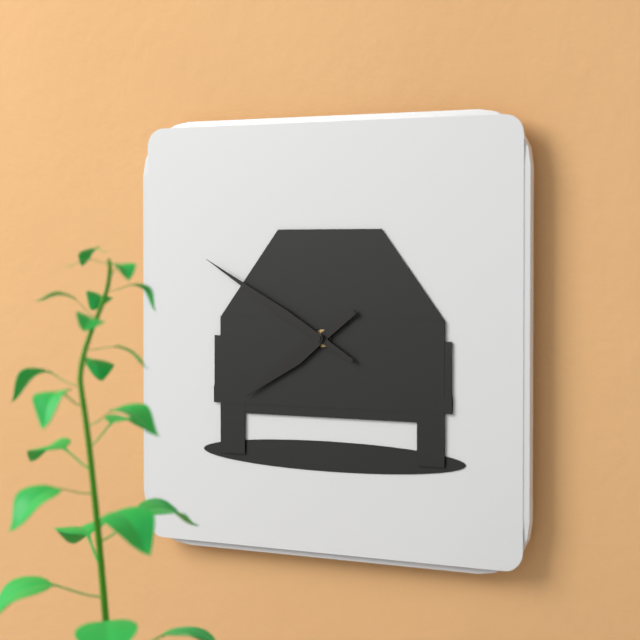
7:50
